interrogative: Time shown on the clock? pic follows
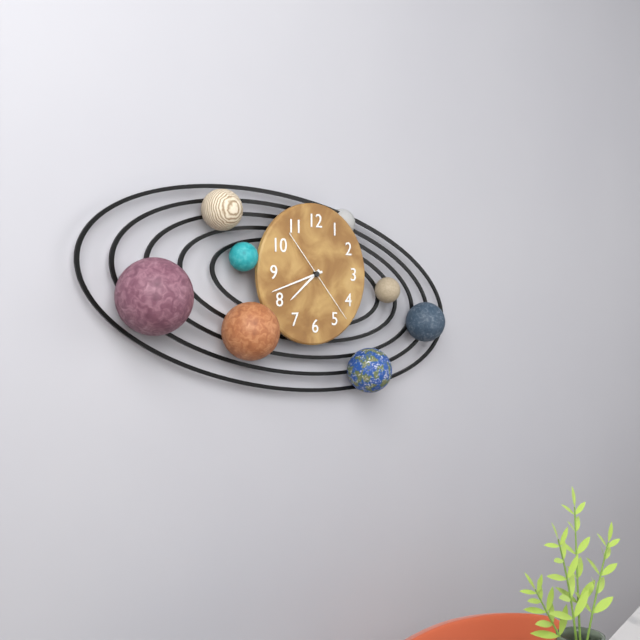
7:42:23
